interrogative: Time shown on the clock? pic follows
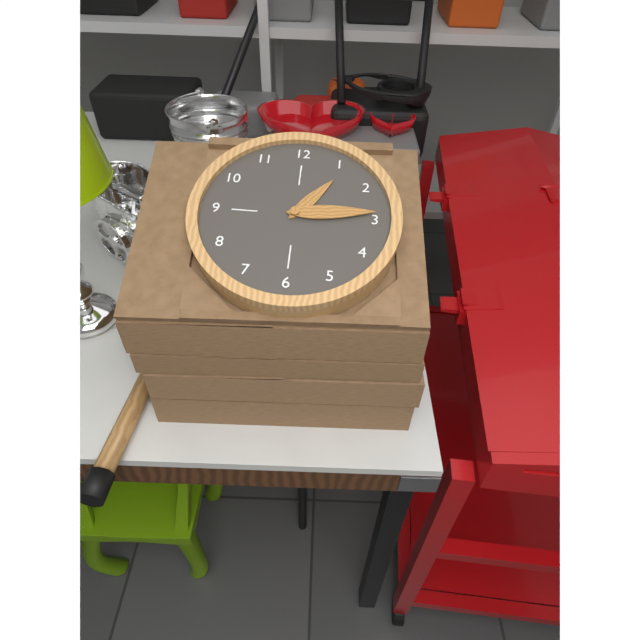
1:14
